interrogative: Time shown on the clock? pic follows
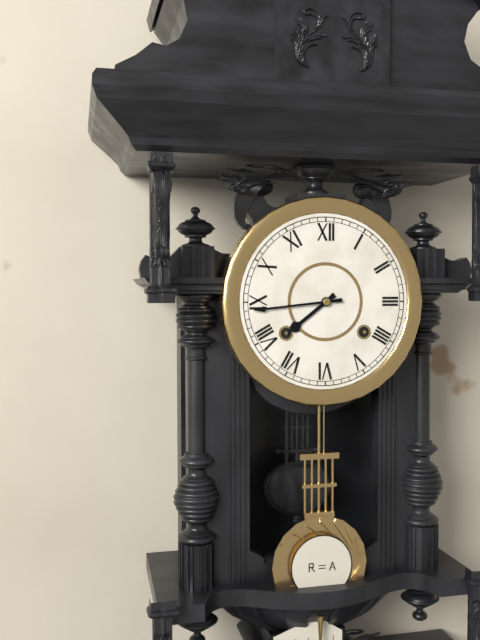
7:44
